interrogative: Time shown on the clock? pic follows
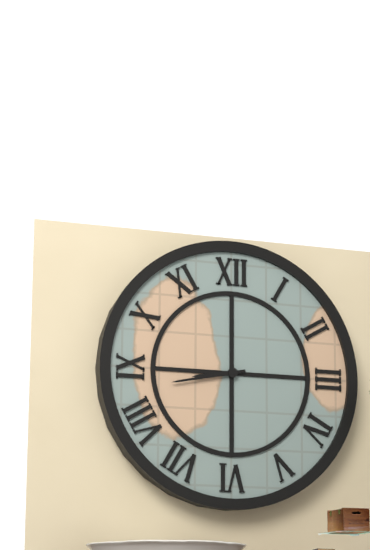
8:43
